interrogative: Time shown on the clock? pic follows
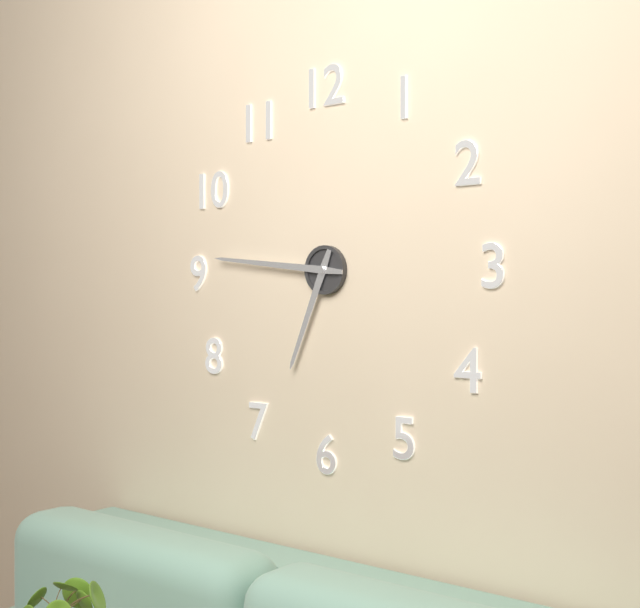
6:46
